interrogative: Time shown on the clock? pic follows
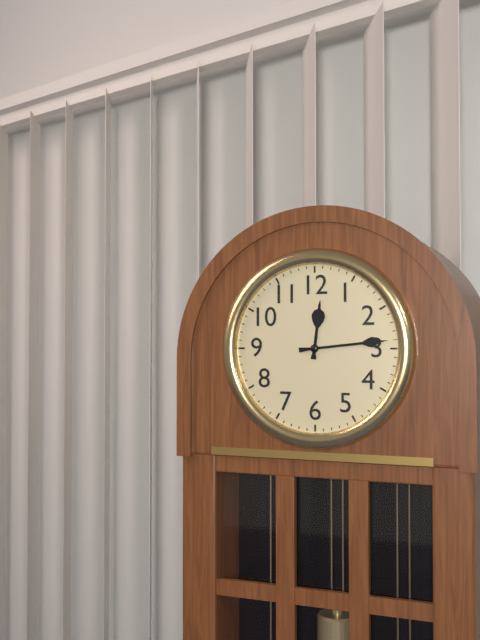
12:14
